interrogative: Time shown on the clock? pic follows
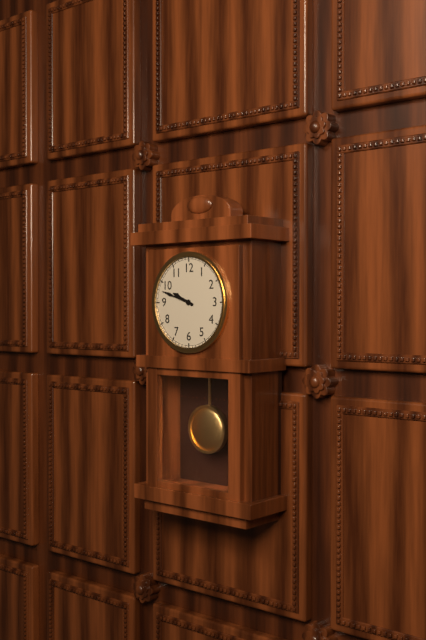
9:48
